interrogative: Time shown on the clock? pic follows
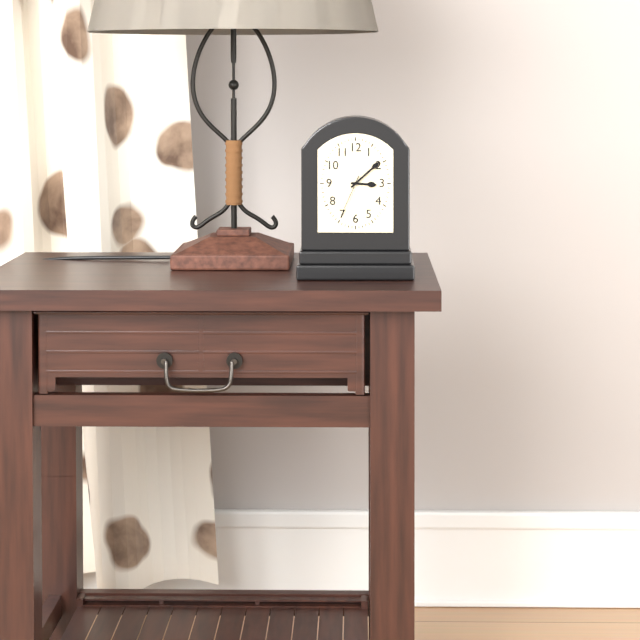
3:08
